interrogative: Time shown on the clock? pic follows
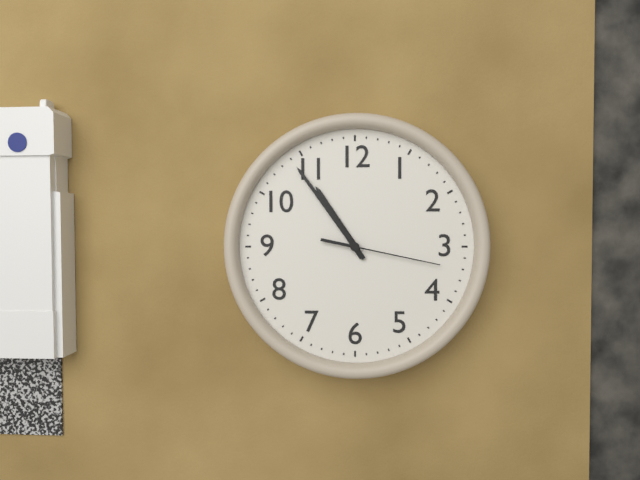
10:54:17
